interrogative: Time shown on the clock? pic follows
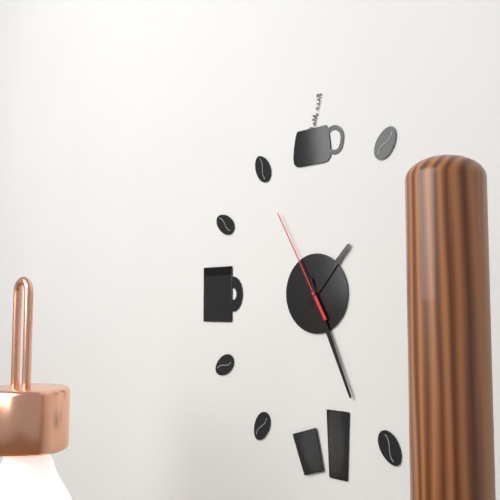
1:26:55
